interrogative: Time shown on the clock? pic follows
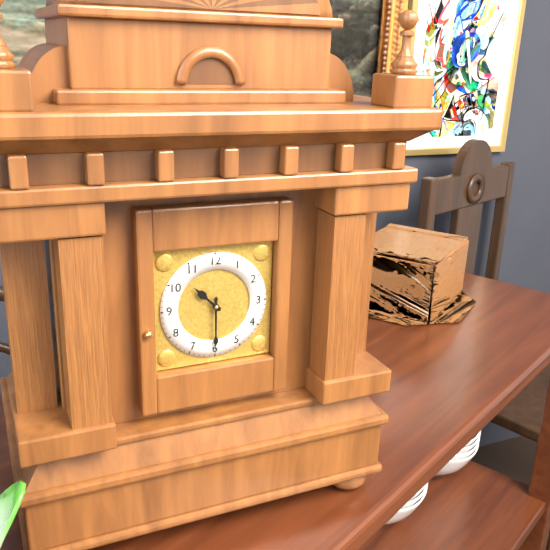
10:30
